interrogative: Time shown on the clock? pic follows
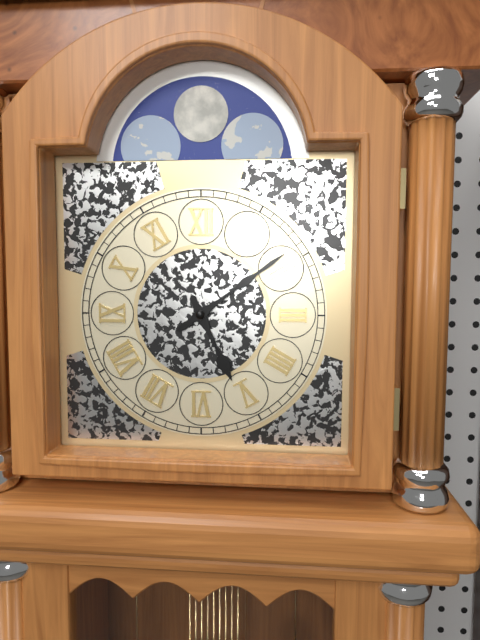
5:09
